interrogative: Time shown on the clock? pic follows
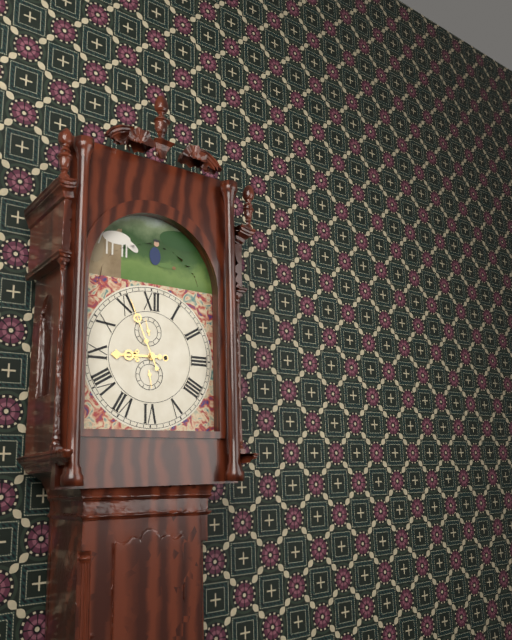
8:56
